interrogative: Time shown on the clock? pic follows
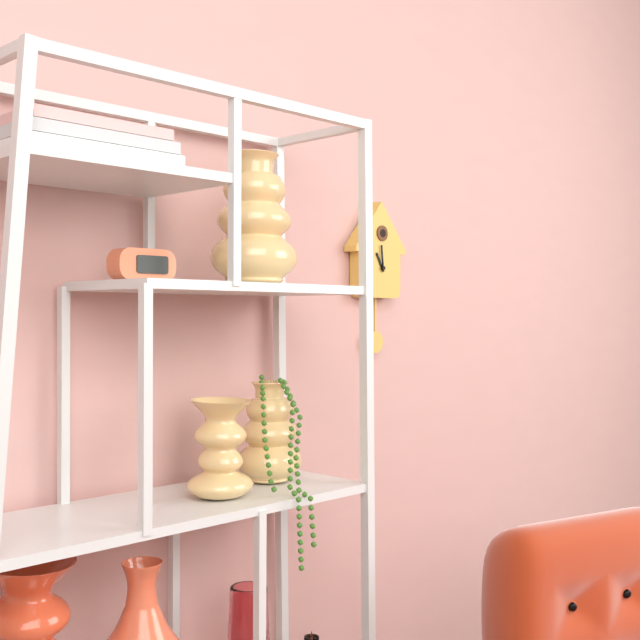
10:59
